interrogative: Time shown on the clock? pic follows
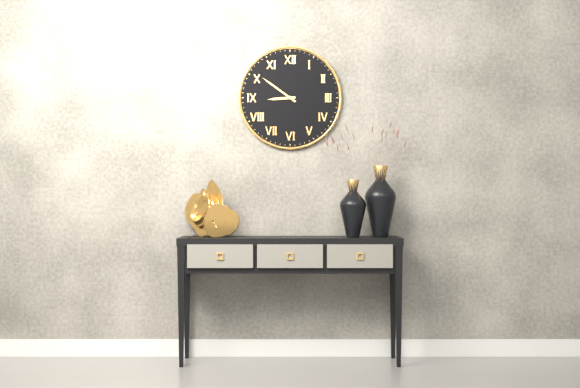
8:51
